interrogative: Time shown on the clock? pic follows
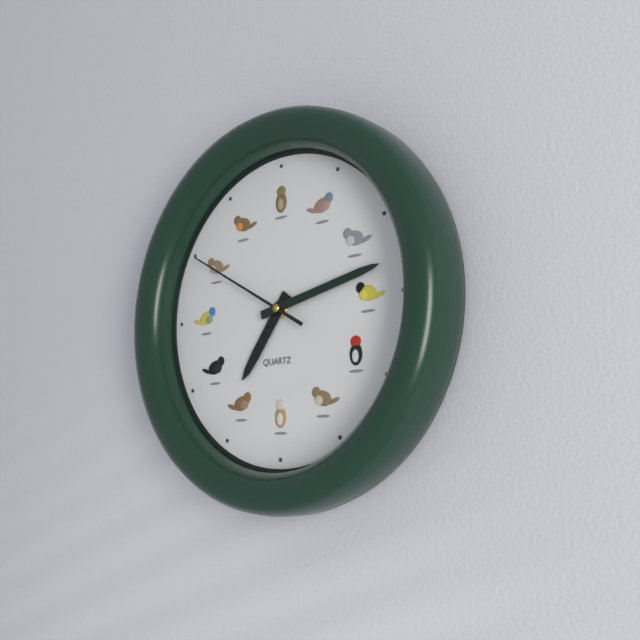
7:13:50
